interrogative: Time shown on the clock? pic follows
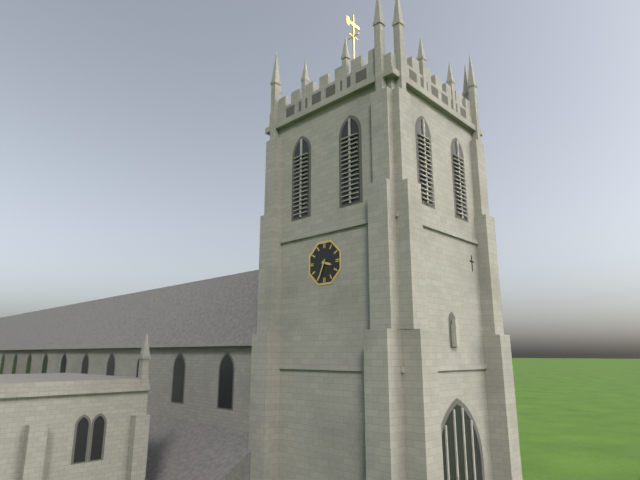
3:34
